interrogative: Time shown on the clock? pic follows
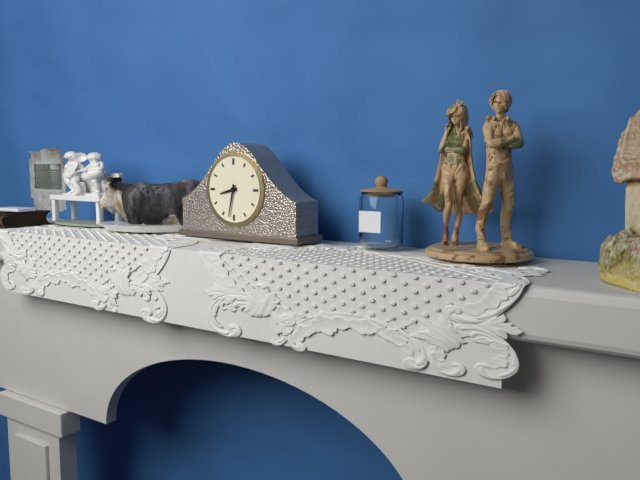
8:32
